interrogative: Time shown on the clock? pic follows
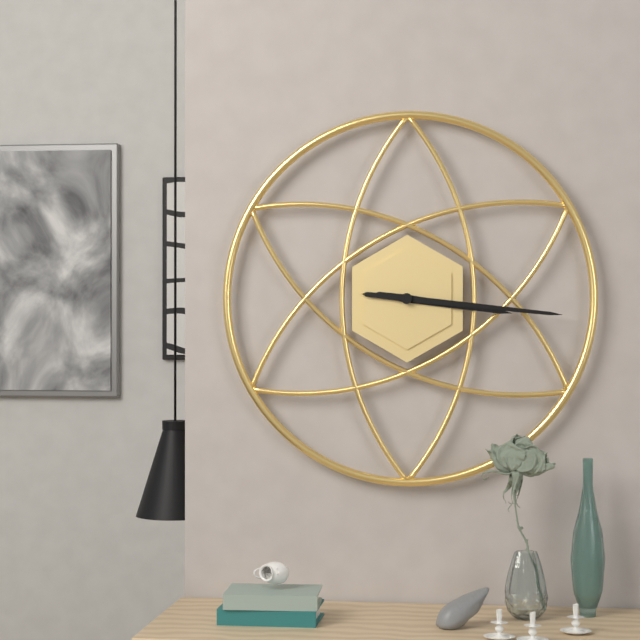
3:16
